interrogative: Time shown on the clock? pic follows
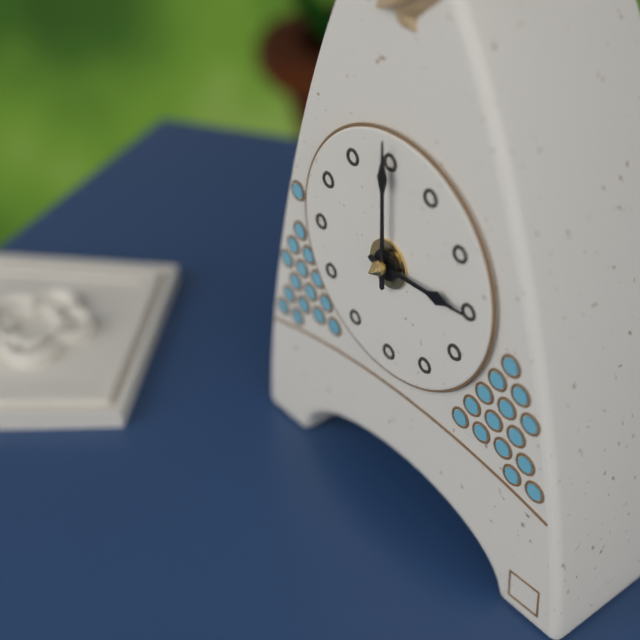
3:00
